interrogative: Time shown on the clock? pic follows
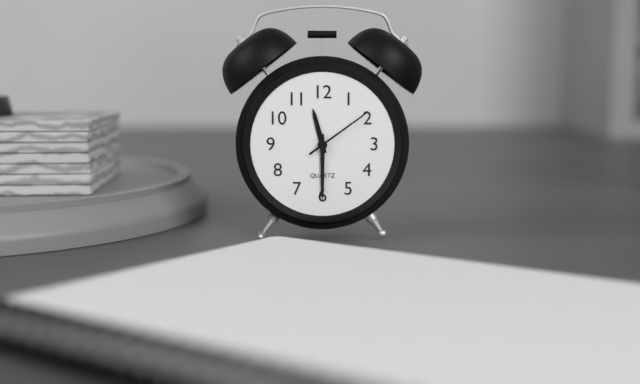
11:30:09
